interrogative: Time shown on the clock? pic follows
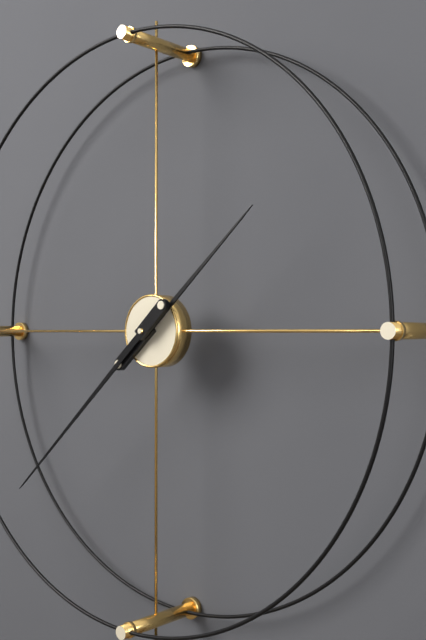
1:38
